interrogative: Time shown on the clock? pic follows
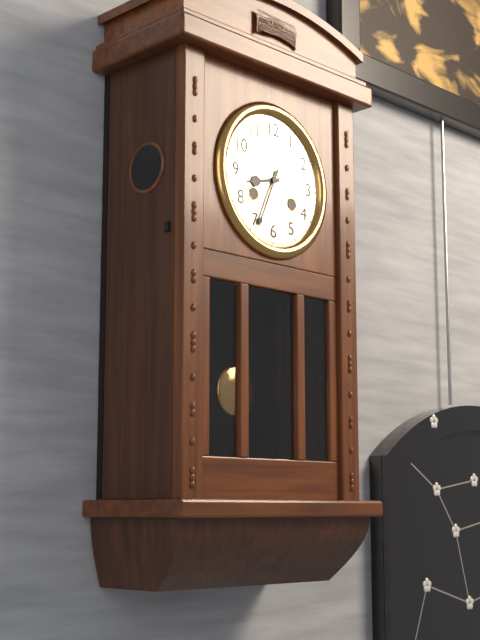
8:34
